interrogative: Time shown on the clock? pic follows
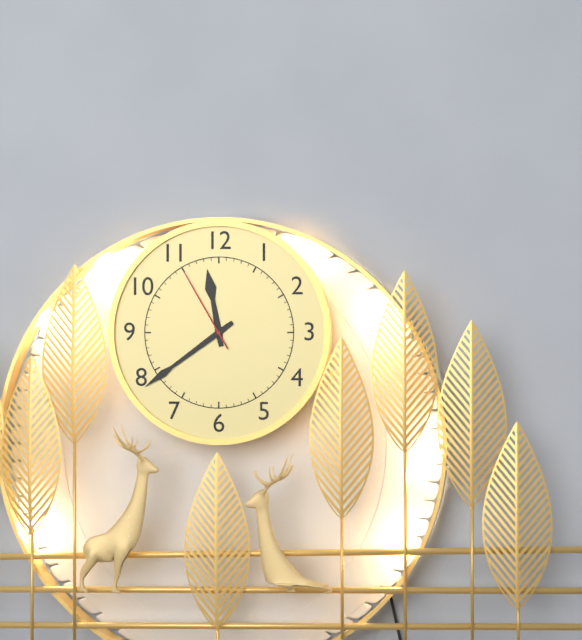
11:39:55
